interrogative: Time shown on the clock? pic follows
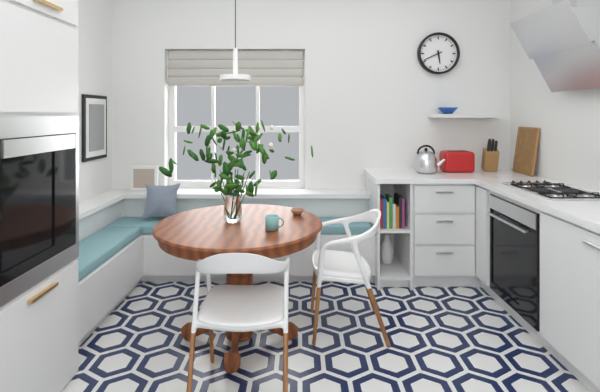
5:41
